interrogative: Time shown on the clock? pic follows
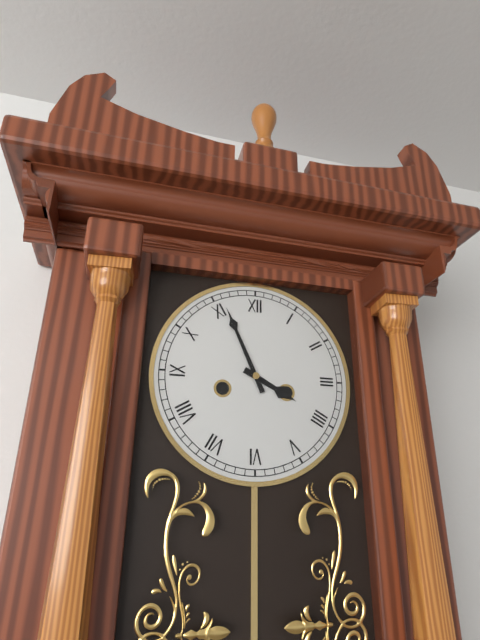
3:56
